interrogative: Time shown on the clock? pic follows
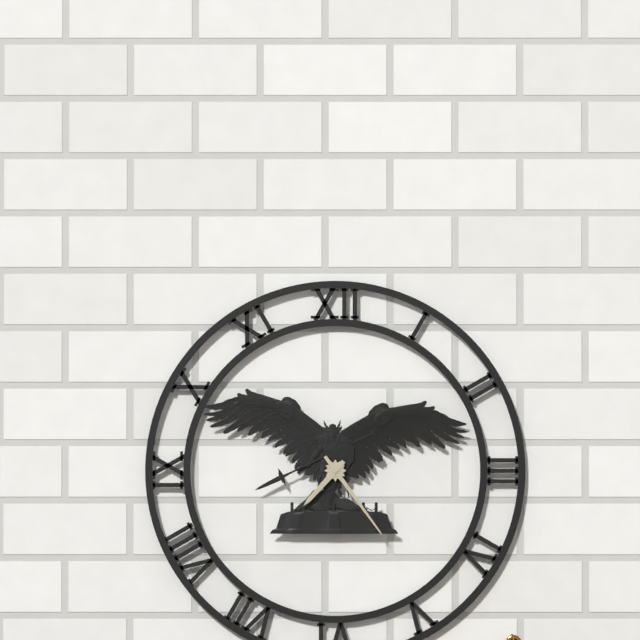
7:24
